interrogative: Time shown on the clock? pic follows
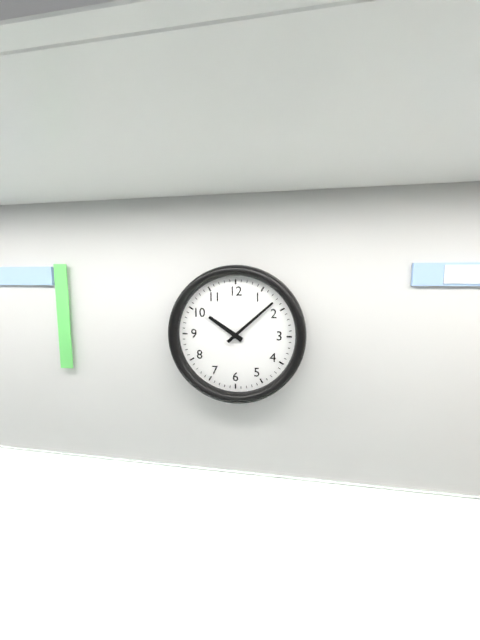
10:08
